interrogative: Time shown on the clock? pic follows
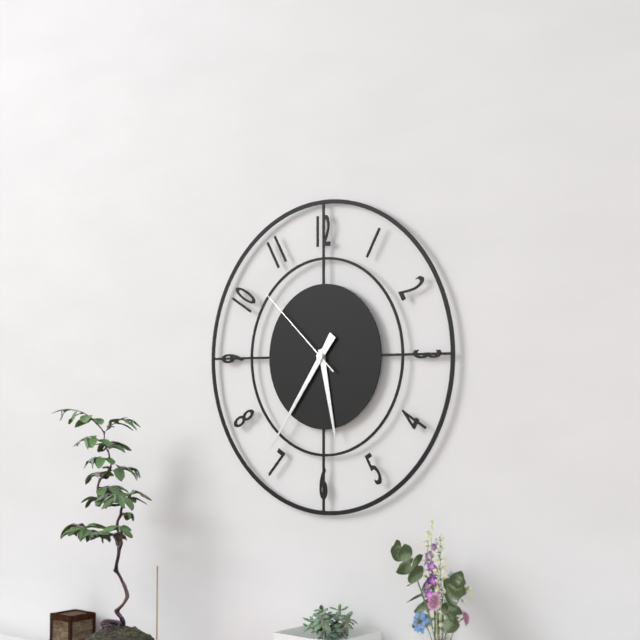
5:36:52
